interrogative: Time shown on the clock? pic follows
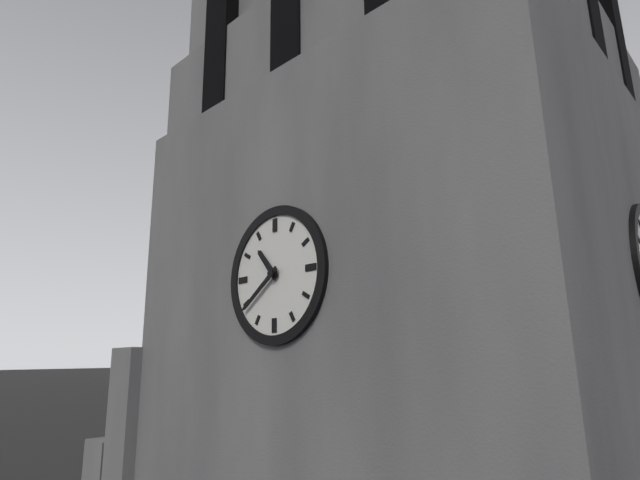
10:39
